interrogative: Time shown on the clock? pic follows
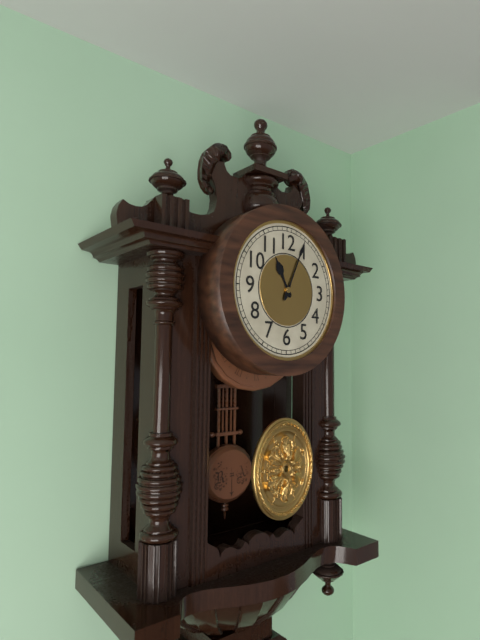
11:04
